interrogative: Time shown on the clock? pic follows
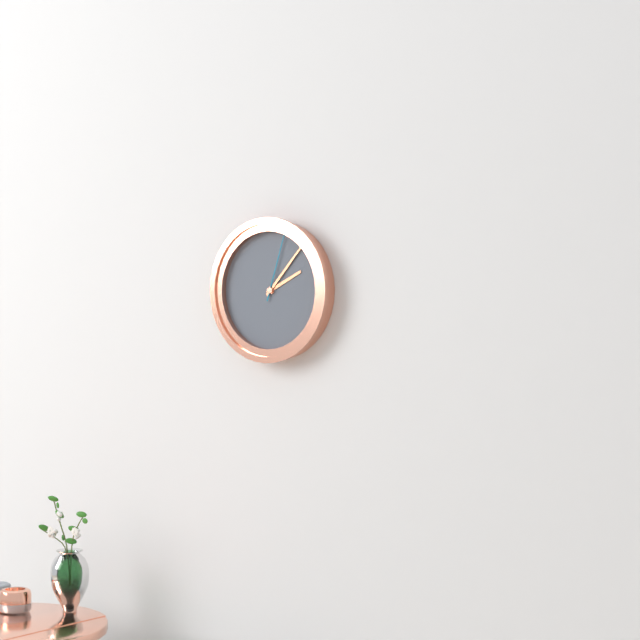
2:07:03
